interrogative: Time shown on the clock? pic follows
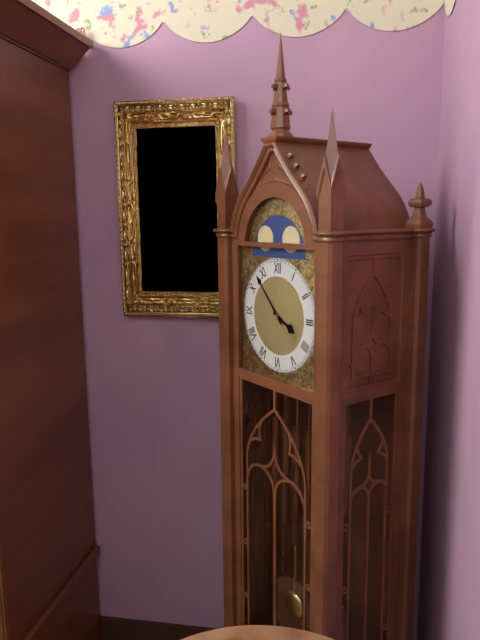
3:53
